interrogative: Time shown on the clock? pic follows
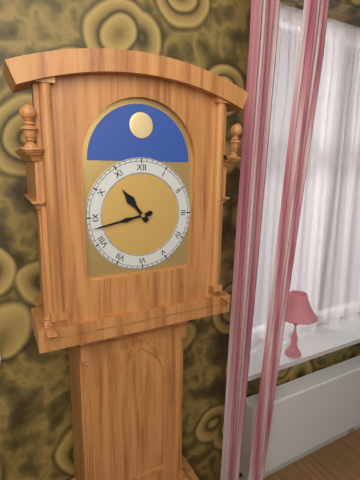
10:43
